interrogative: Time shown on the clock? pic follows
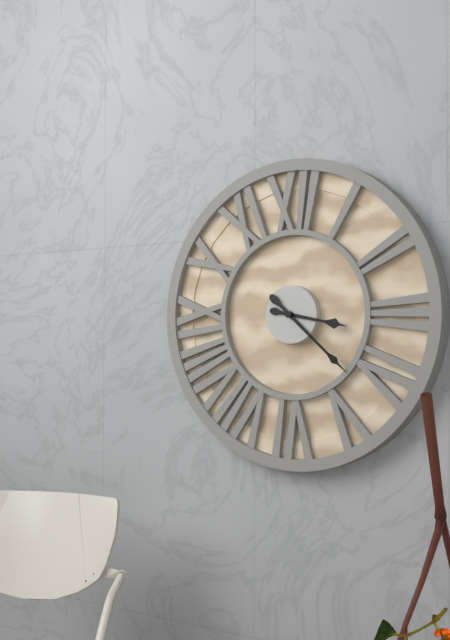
3:22
